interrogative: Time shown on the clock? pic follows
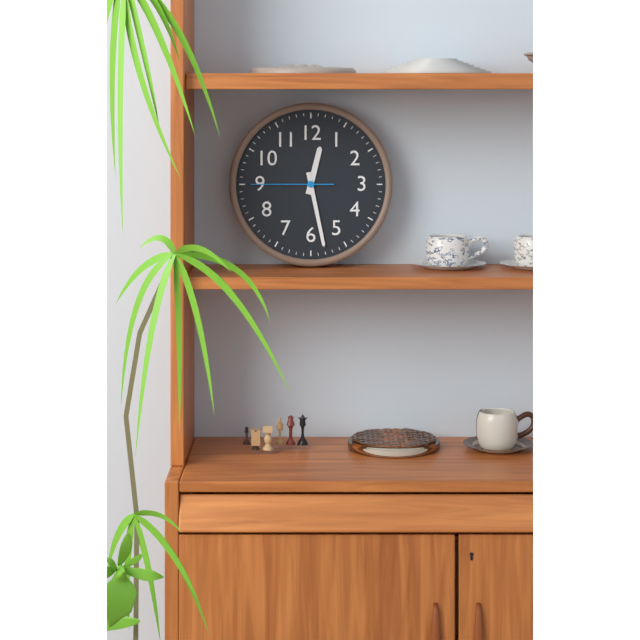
12:28:45
